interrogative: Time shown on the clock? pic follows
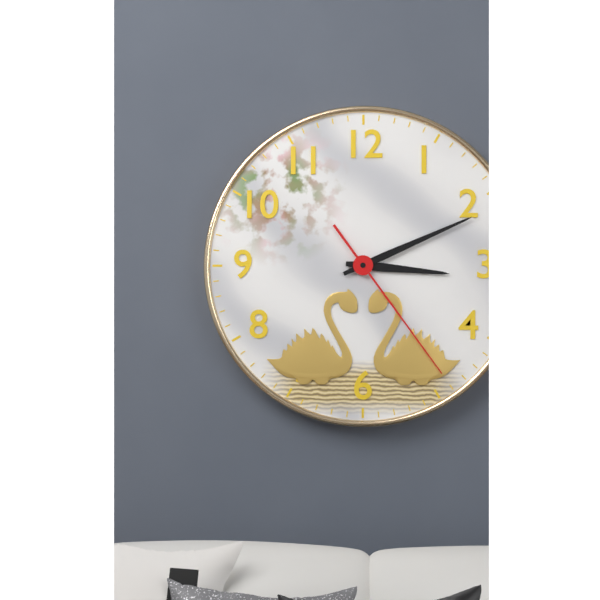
3:11:24
